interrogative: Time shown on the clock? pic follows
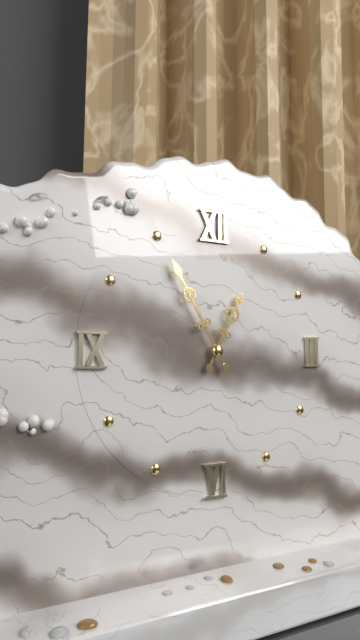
12:55
